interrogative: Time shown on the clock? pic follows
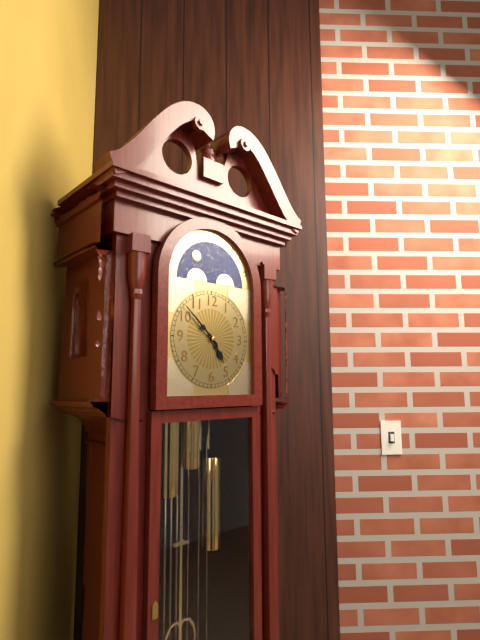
4:52
